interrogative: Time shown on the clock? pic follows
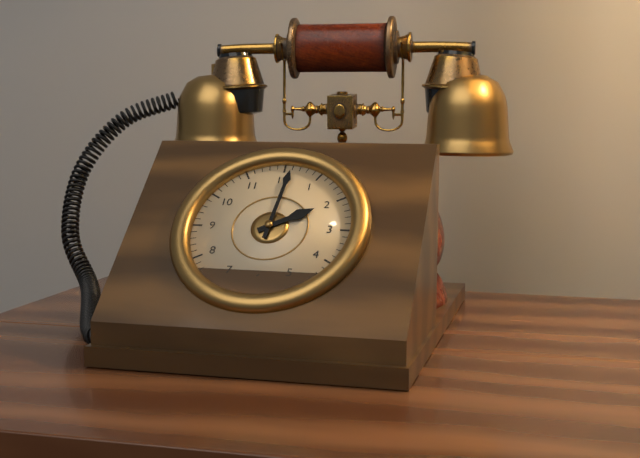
2:01
